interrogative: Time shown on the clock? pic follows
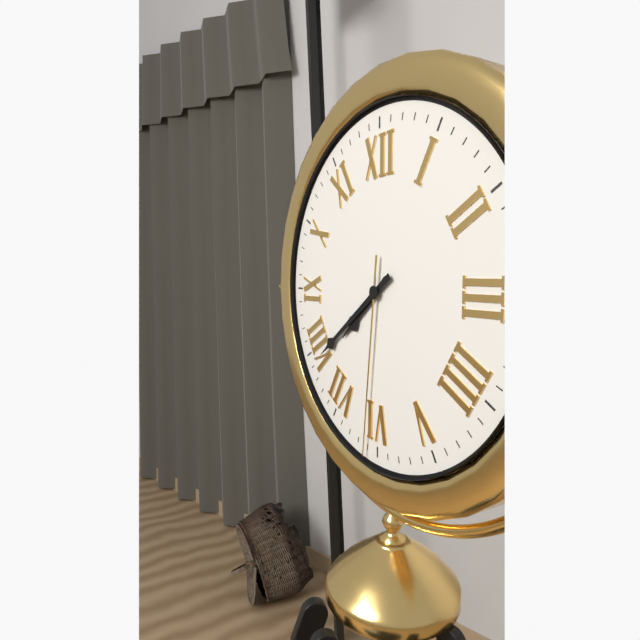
7:39:31
